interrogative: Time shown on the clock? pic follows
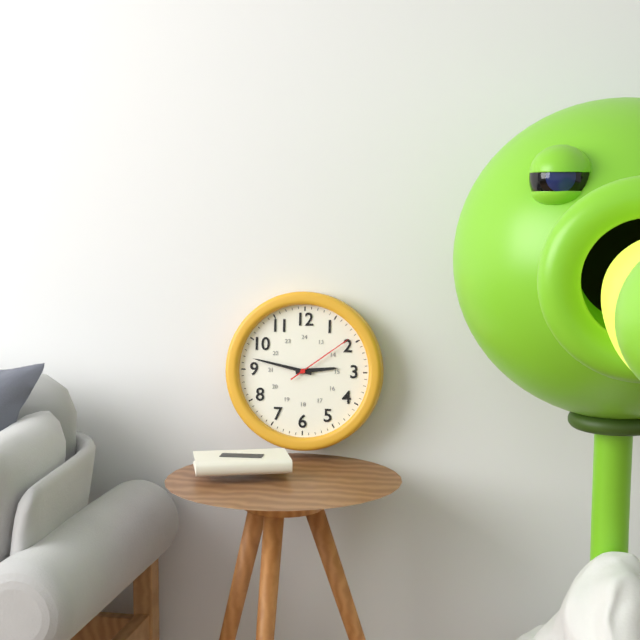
2:47:09
